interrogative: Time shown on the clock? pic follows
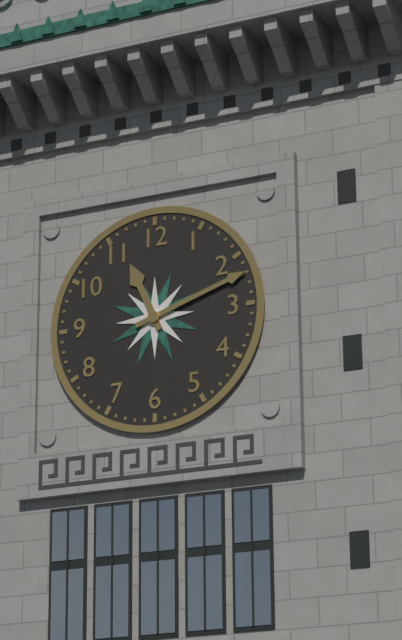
11:12
